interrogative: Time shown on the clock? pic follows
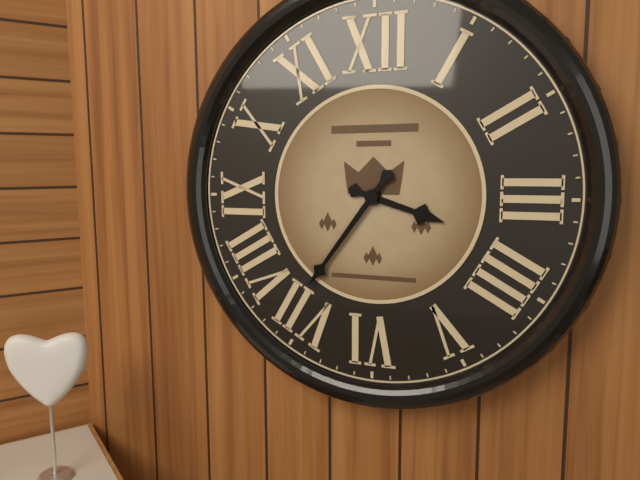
3:36
